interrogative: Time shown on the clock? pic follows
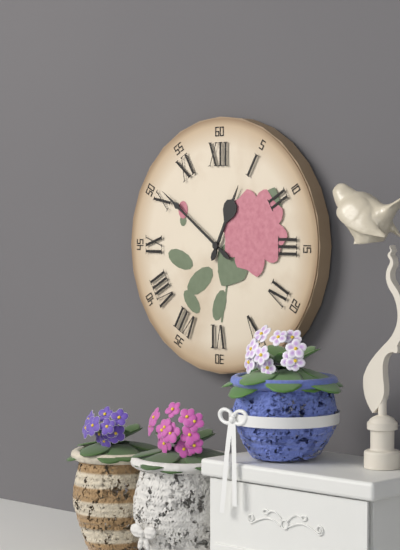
12:51
